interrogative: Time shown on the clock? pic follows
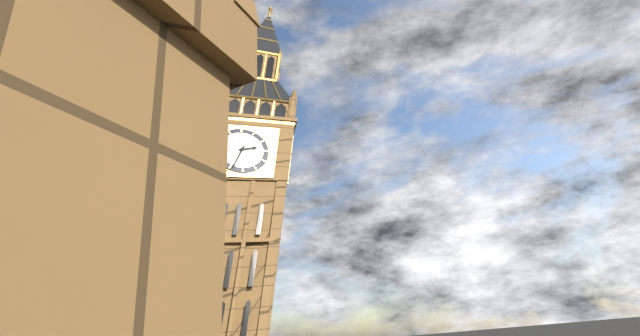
2:34
